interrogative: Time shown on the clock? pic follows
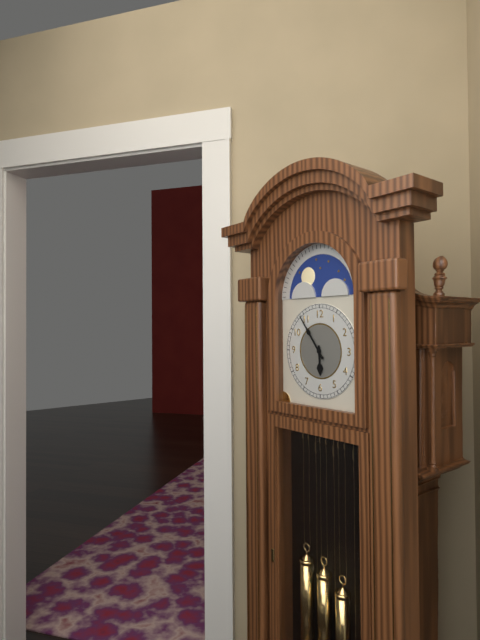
5:54
